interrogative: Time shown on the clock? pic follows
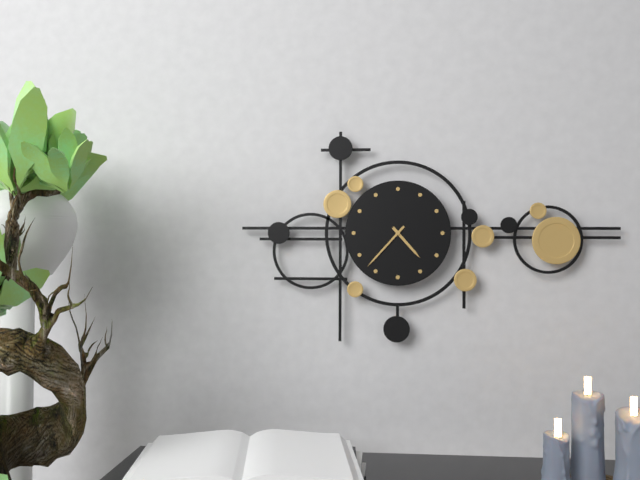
4:37
